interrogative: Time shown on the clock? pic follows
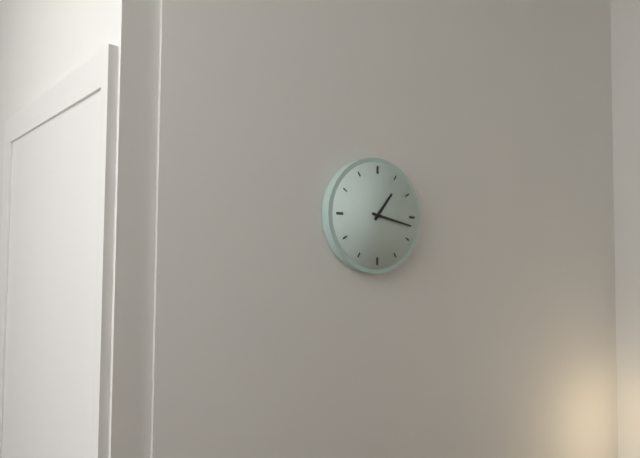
1:17
